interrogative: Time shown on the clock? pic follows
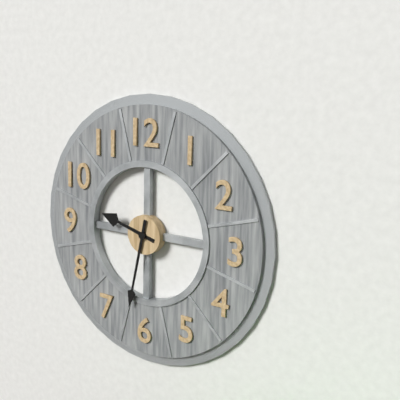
9:32
